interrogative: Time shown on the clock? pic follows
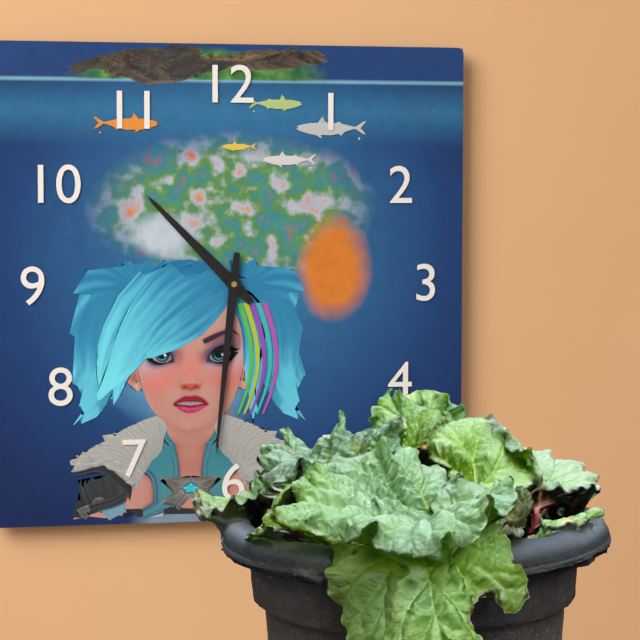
10:31
